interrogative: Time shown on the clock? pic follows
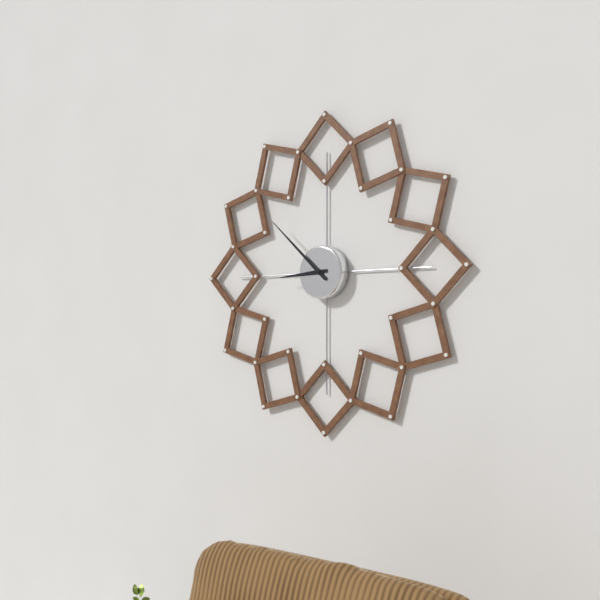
8:52
